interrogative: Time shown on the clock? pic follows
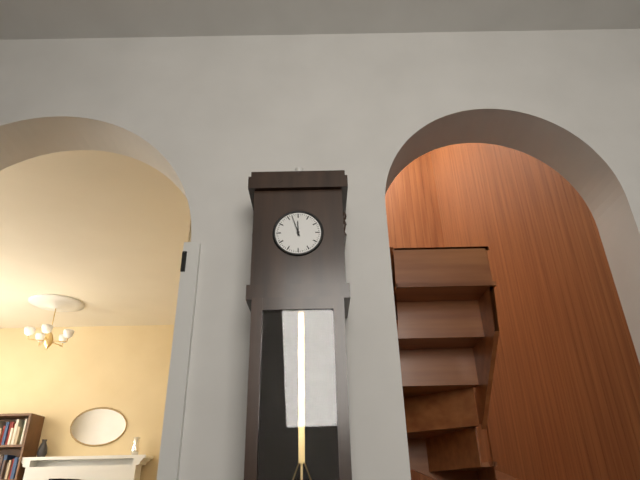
11:57
